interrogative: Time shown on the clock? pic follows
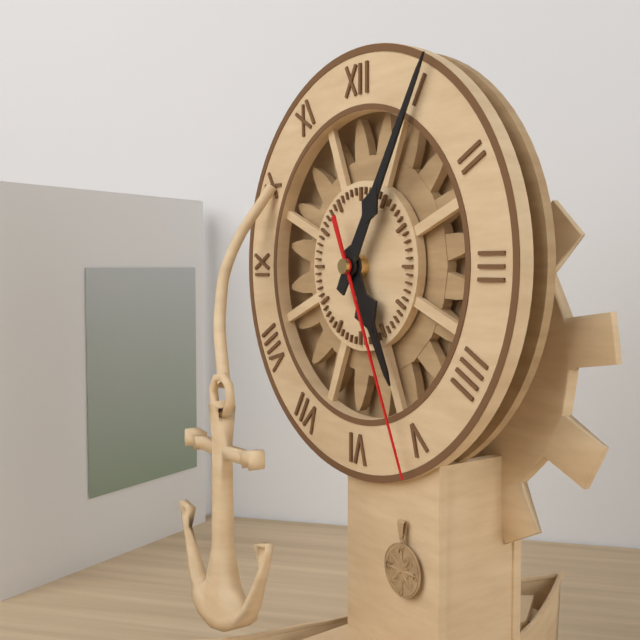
5:05:26
